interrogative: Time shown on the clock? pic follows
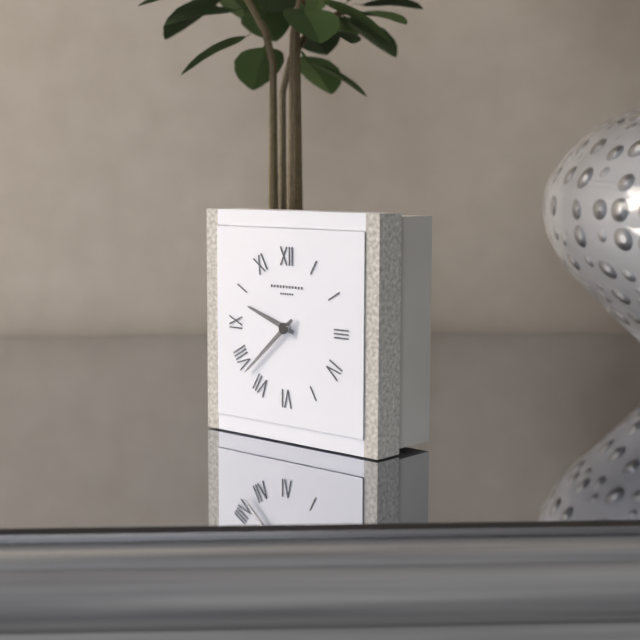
9:38
